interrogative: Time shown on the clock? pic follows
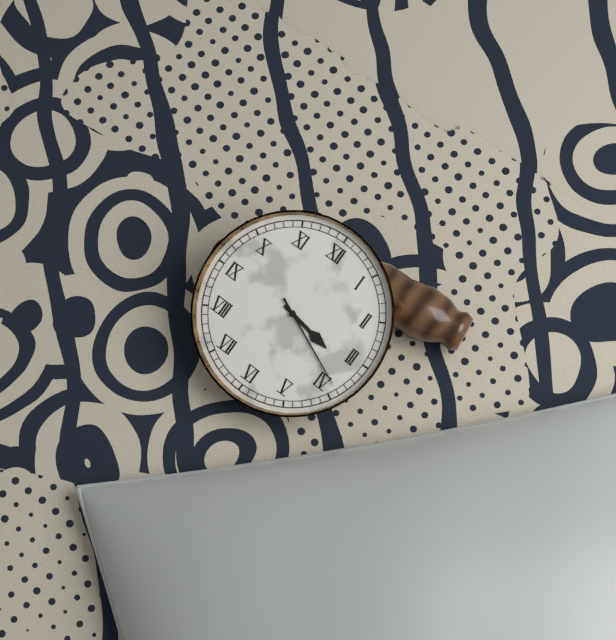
3:19
